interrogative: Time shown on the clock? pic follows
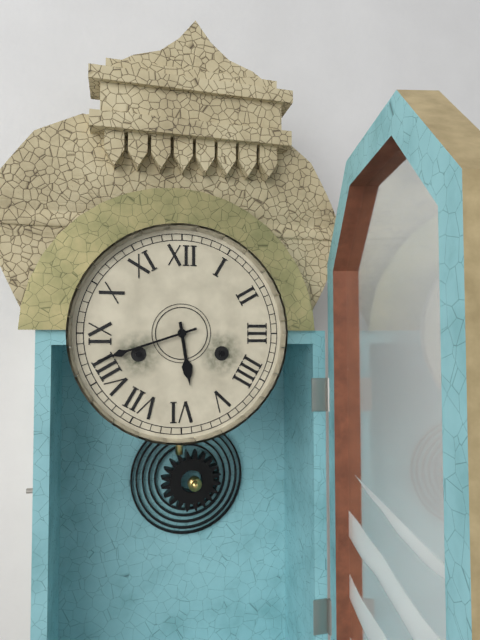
5:42
